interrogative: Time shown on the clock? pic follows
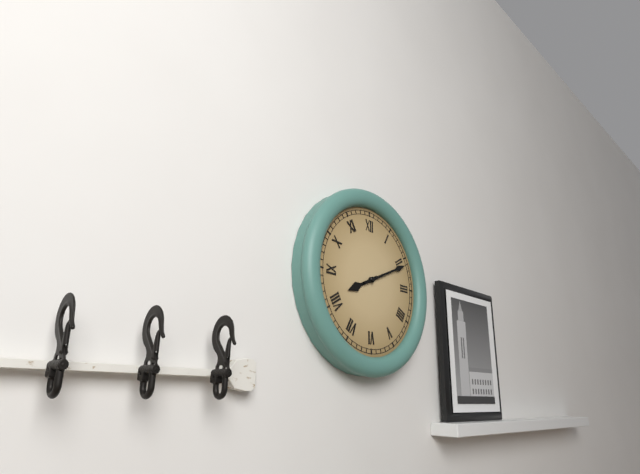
8:11
